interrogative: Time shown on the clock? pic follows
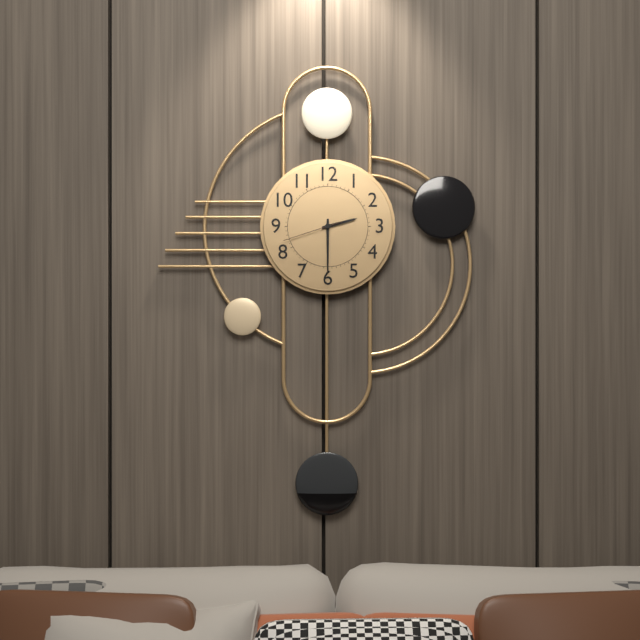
2:30:42
